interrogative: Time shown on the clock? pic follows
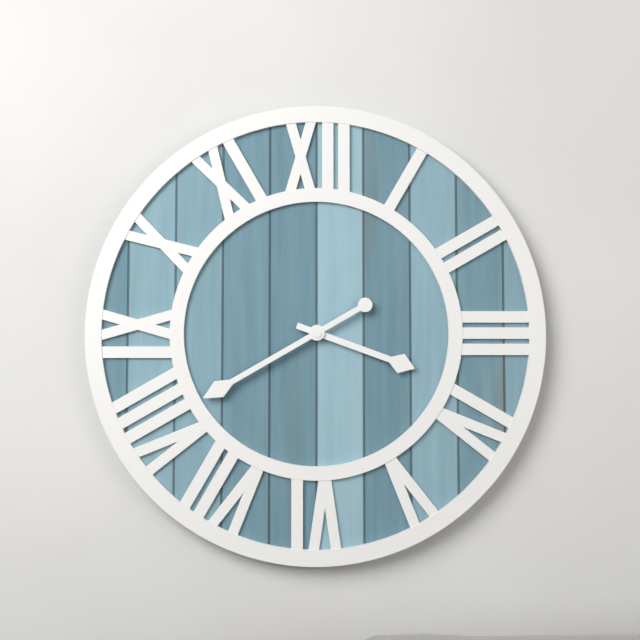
3:40
